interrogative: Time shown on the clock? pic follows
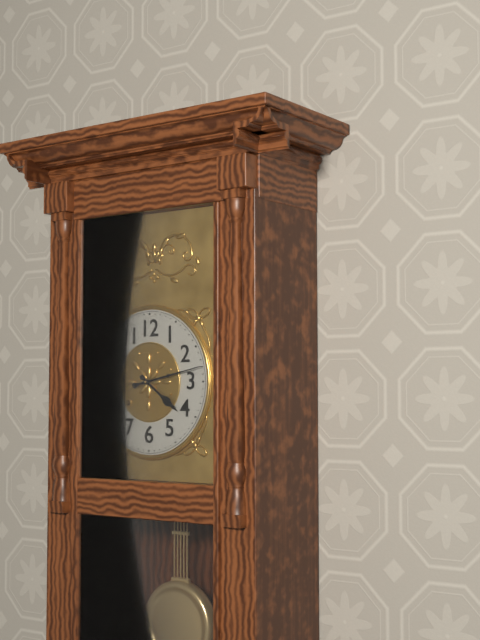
4:13
